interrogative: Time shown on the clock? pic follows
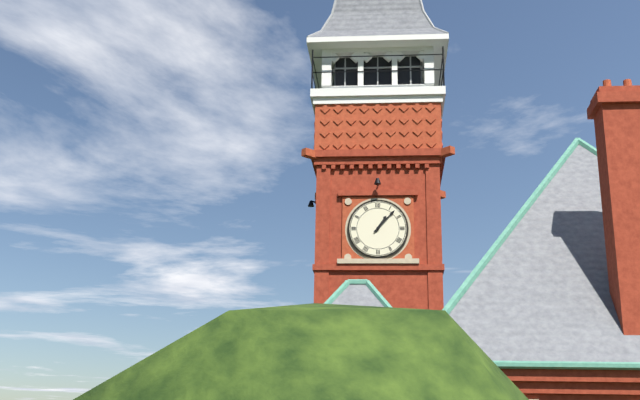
1:07
